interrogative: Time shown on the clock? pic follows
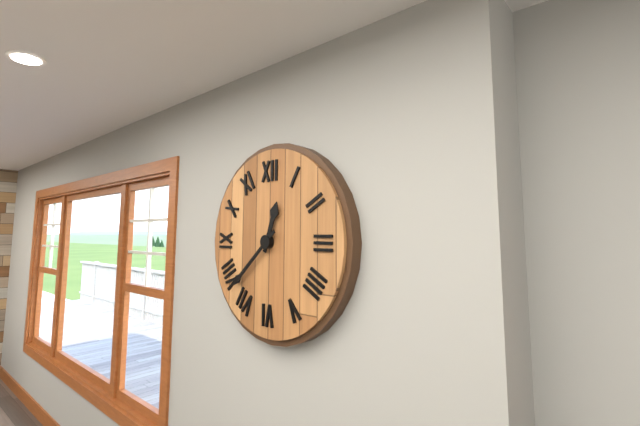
12:38
